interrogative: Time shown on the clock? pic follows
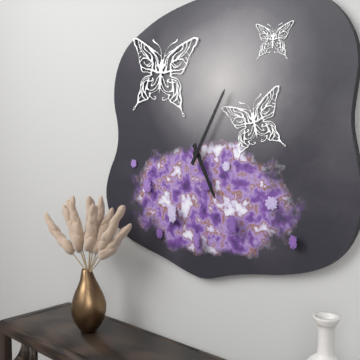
5:05
